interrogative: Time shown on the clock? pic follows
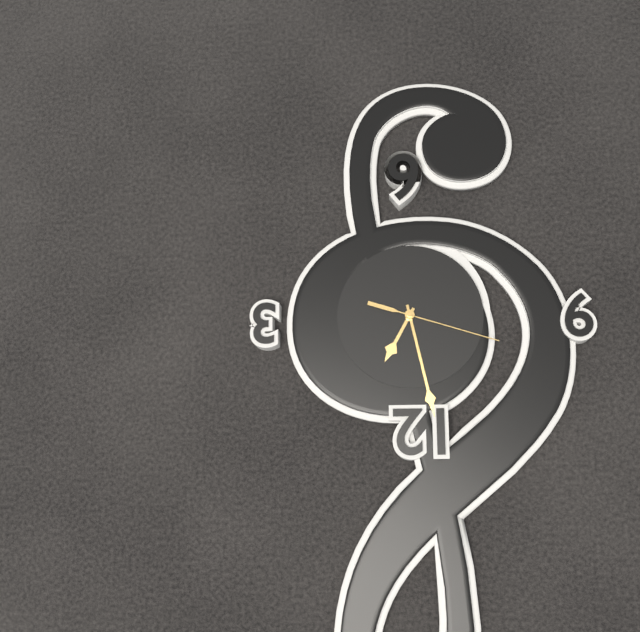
12:58:48
